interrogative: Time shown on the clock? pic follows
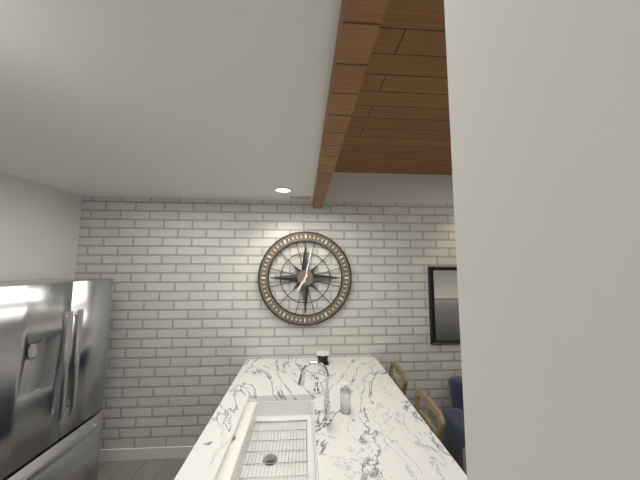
7:02
